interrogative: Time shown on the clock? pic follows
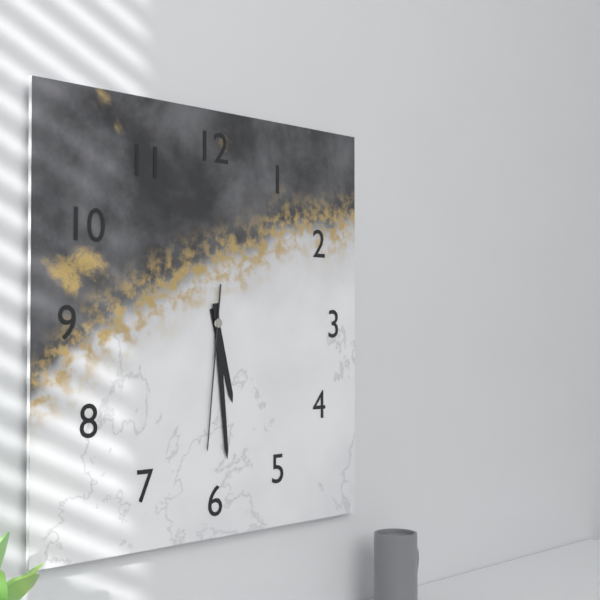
5:29:31
